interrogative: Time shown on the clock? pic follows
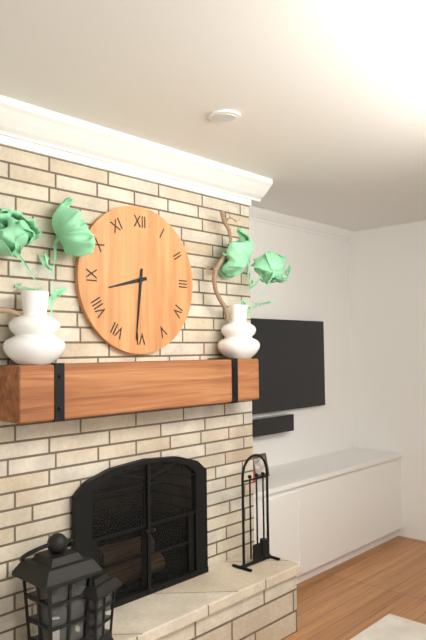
8:31
